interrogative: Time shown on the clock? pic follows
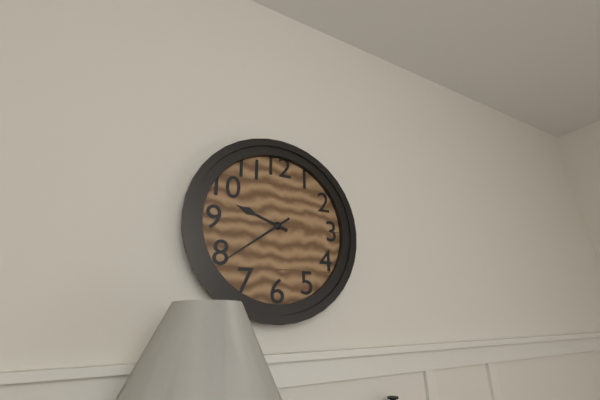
9:39
